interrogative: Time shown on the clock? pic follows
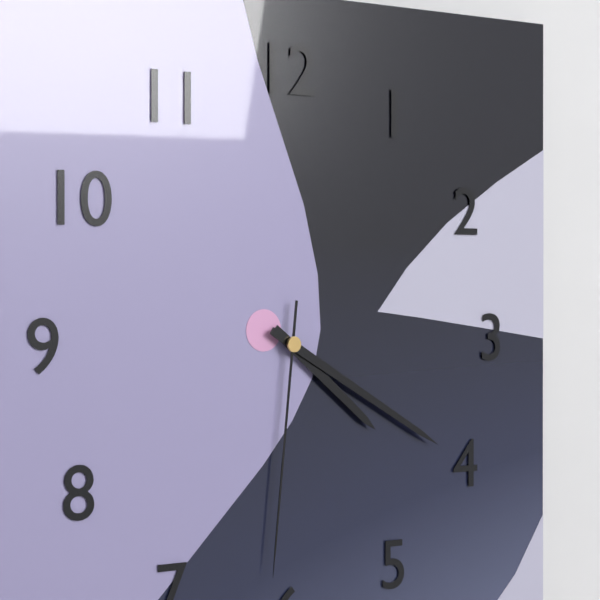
4:20:31
